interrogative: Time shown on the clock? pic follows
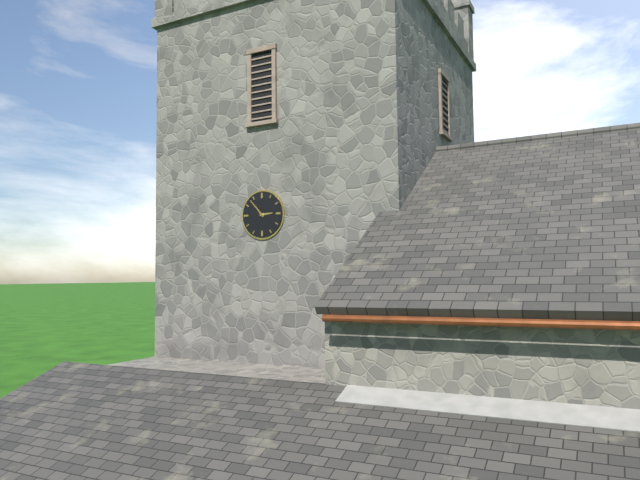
2:53
